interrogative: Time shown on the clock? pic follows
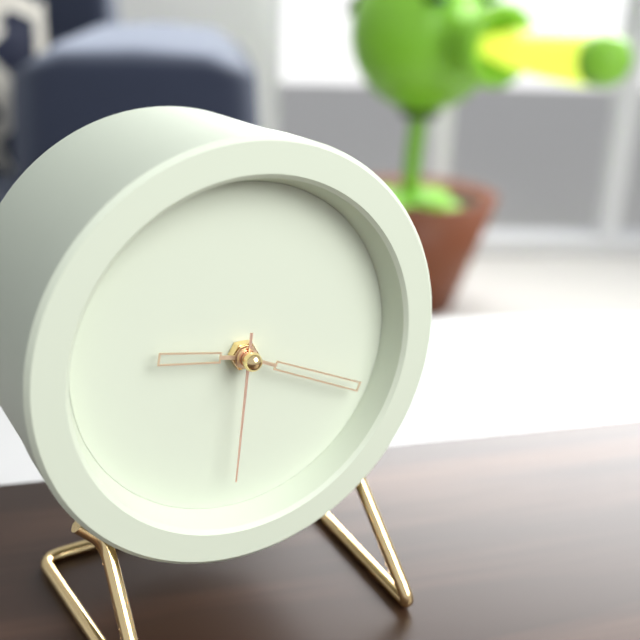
9:19:31
